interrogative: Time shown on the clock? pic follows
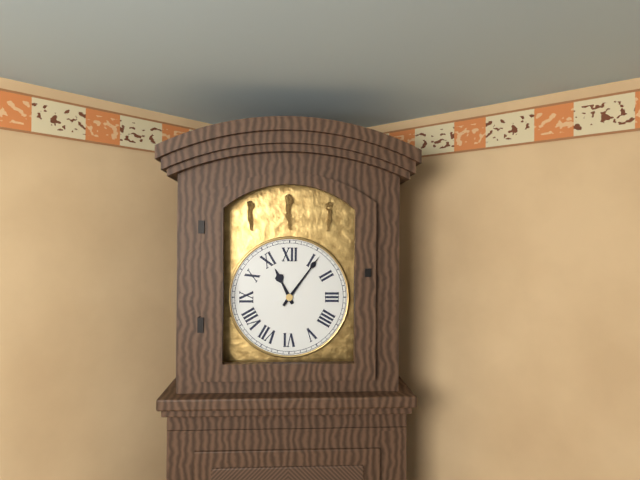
11:06
